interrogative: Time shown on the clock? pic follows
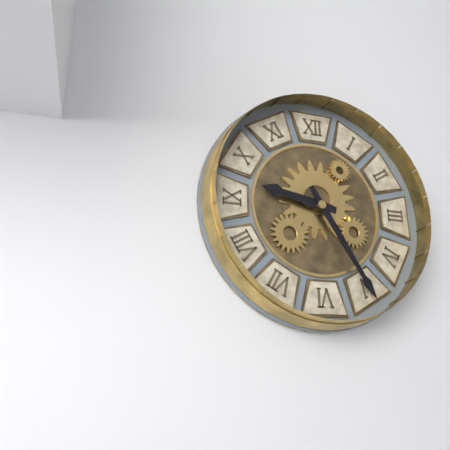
9:25
